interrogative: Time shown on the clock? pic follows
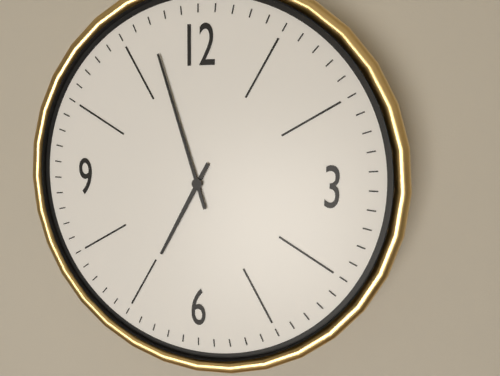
6:57
